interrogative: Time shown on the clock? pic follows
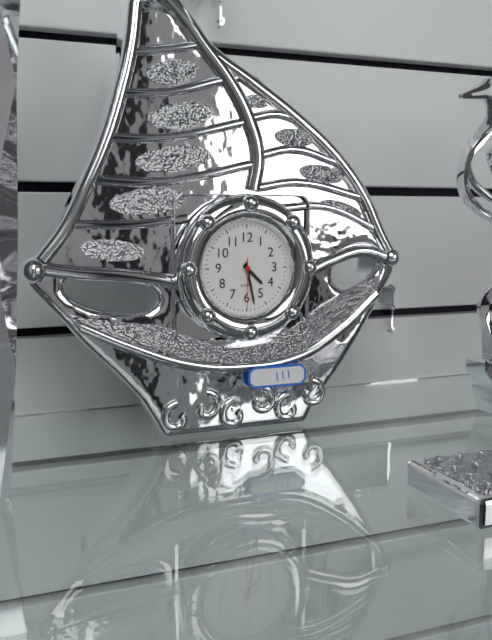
4:28:30
